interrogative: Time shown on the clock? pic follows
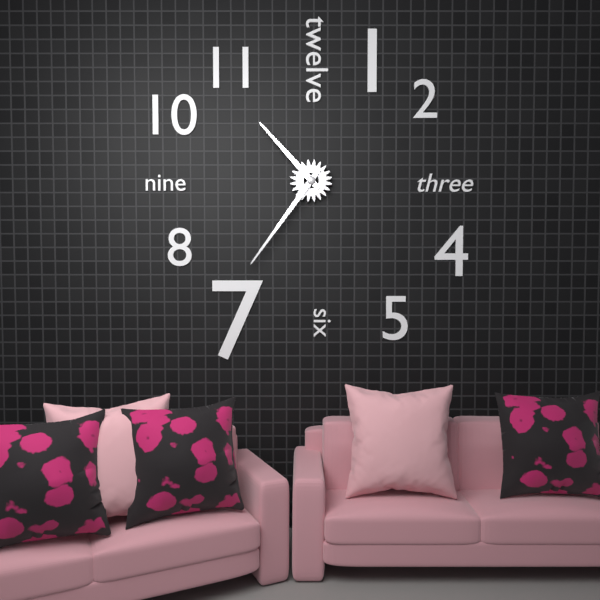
10:36
